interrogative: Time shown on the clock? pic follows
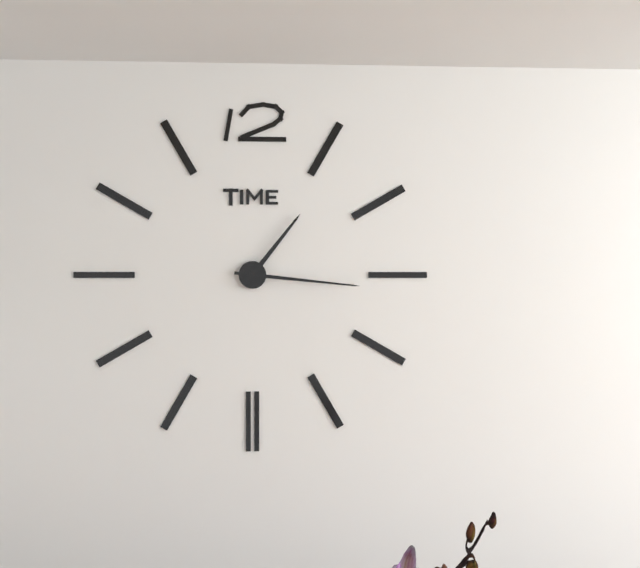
1:16
